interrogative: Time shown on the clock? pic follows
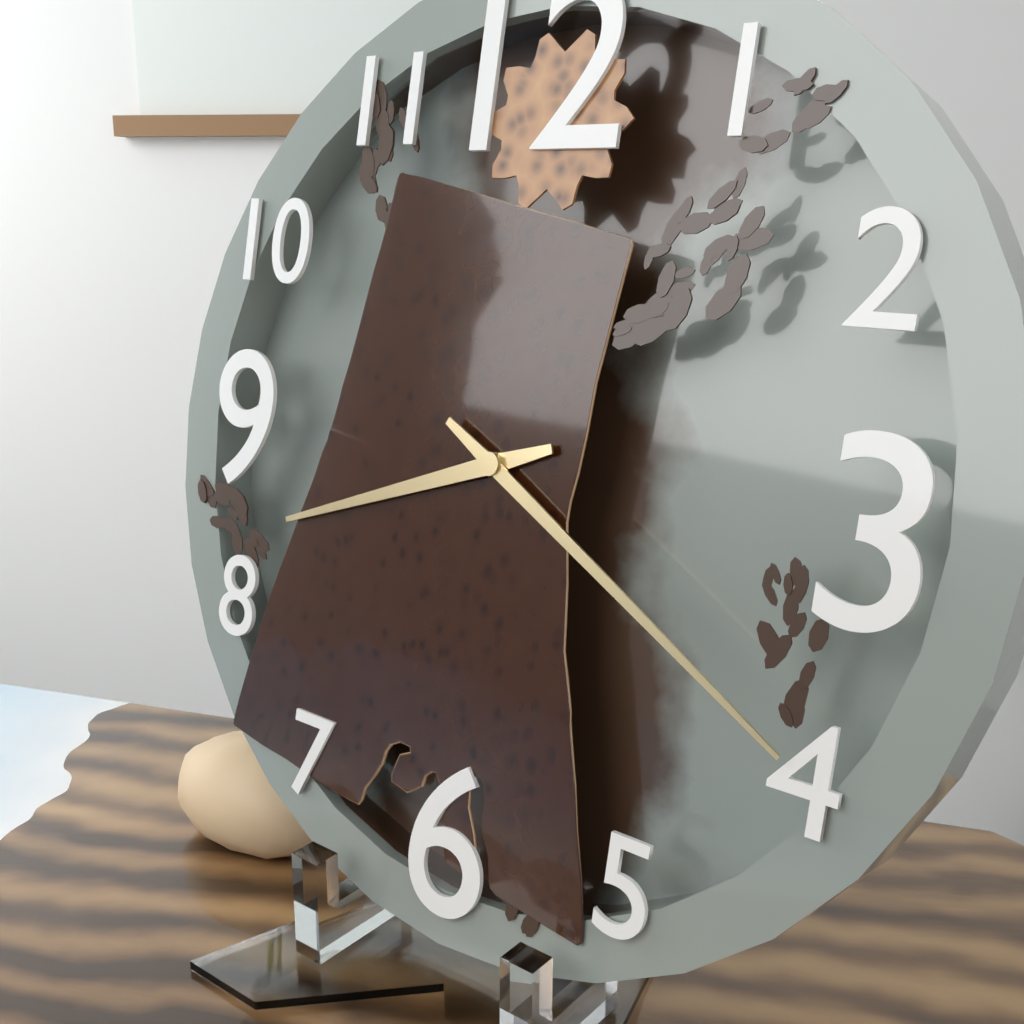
8:20
